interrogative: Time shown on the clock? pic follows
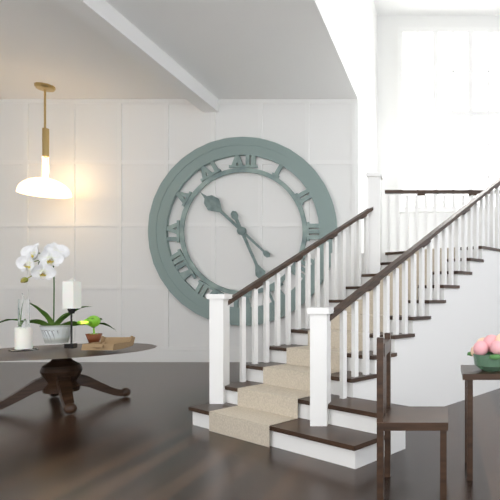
10:26
